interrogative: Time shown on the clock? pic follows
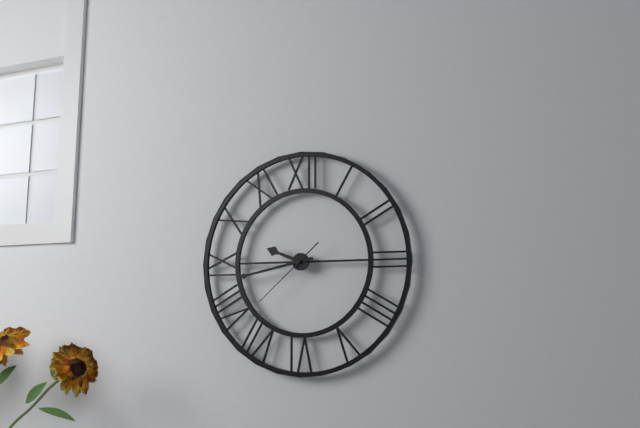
9:43:38
